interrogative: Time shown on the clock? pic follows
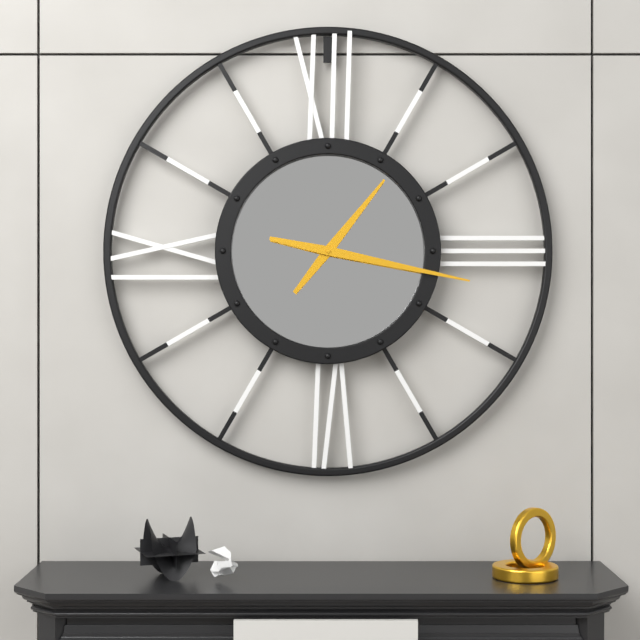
1:17
